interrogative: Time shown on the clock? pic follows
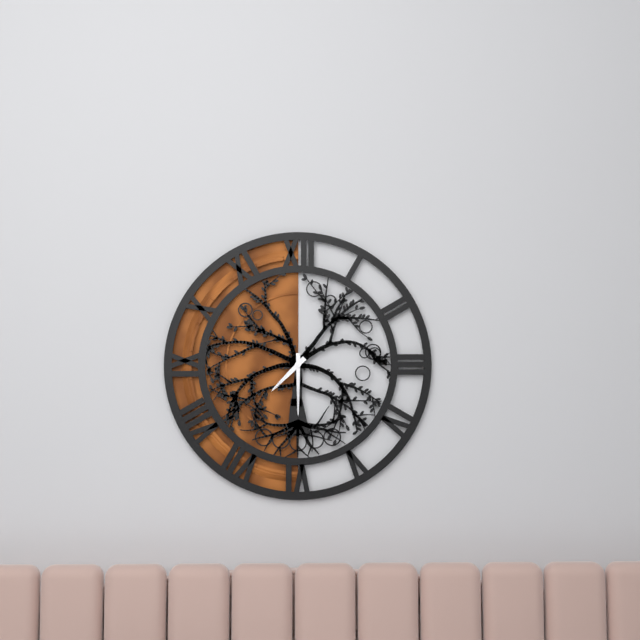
7:30
